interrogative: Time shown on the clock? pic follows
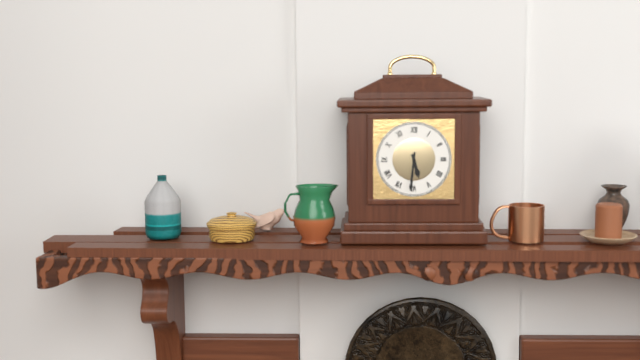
5:31
